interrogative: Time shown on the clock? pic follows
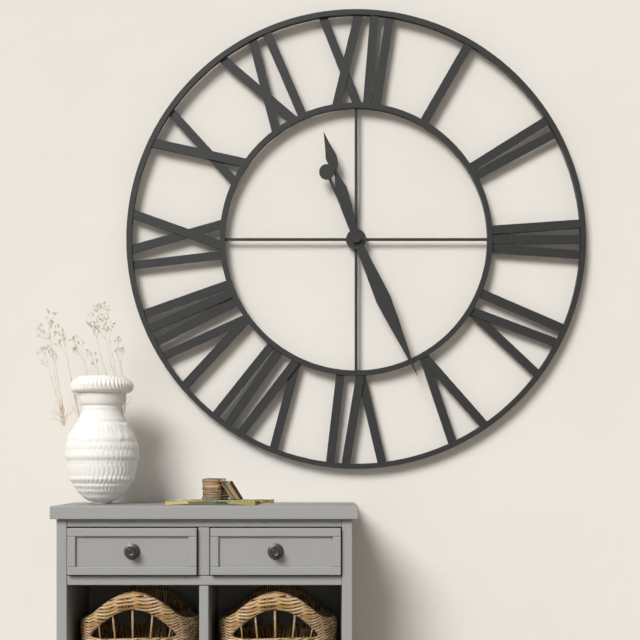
11:26
